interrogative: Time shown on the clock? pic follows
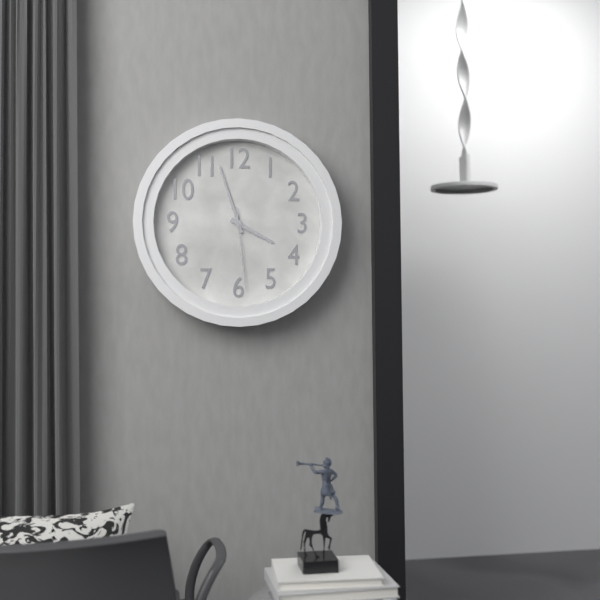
3:57:29
